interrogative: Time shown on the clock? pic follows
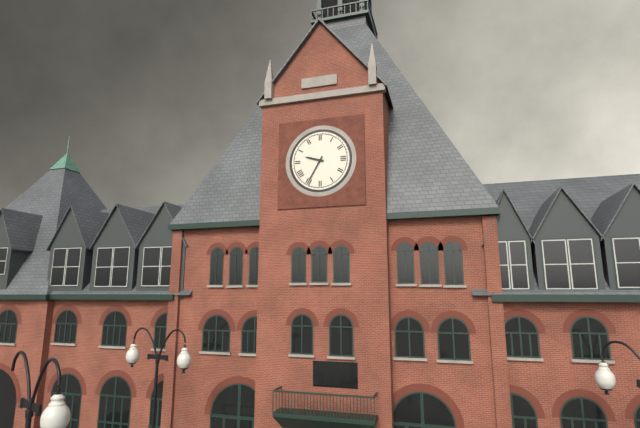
9:35
